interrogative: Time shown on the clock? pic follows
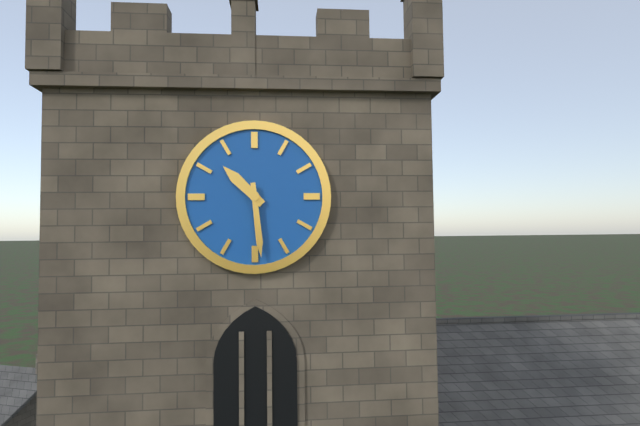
10:29
